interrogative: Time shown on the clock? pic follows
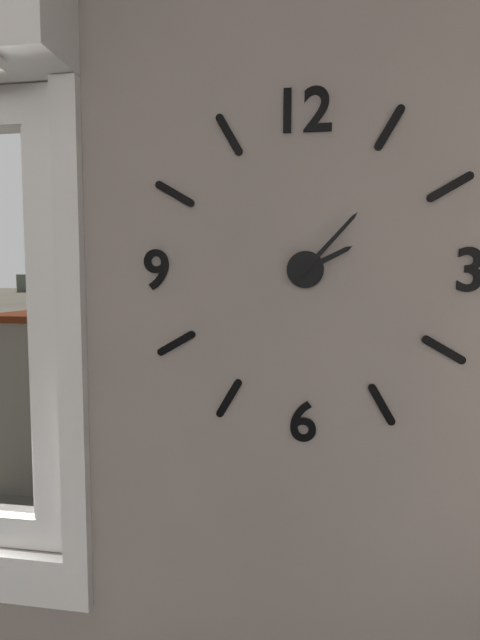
2:07
